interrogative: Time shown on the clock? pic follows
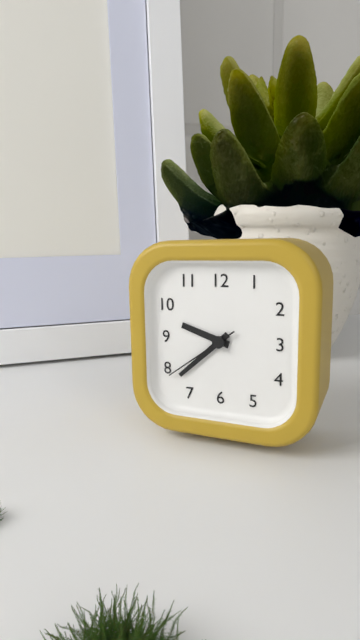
9:38:39
